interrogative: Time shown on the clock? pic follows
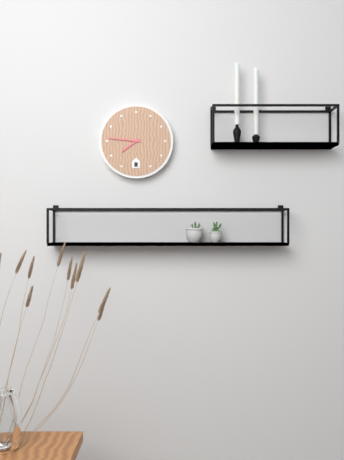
7:46
